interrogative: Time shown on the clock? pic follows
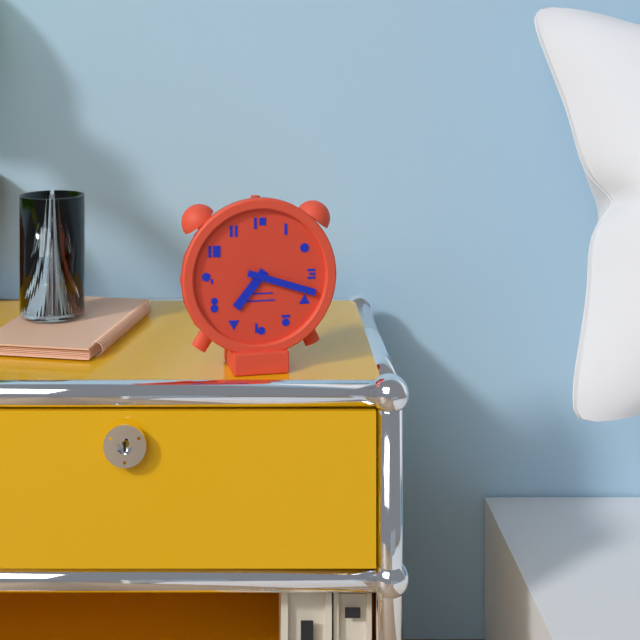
7:18
